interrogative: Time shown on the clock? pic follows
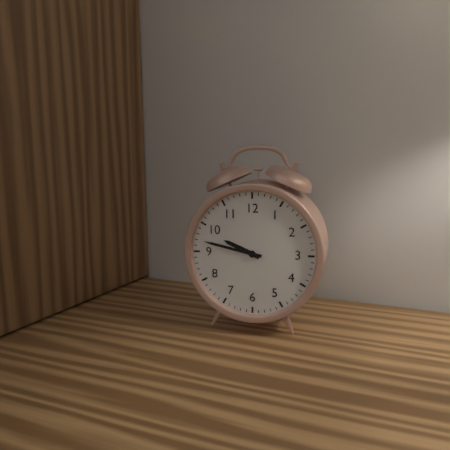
9:47
